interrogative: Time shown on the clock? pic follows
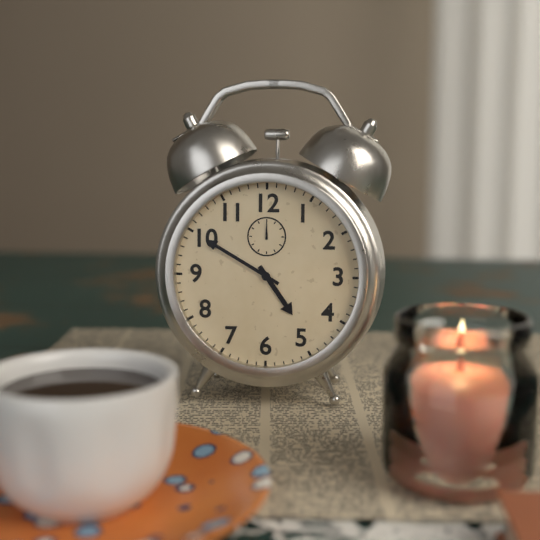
4:50
